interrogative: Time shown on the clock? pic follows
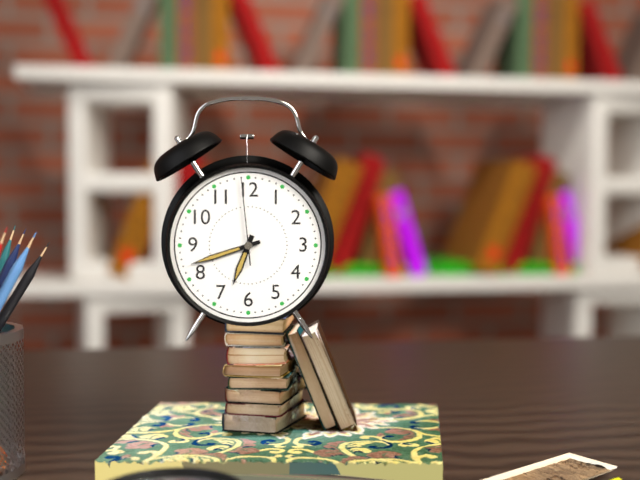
6:42:59
